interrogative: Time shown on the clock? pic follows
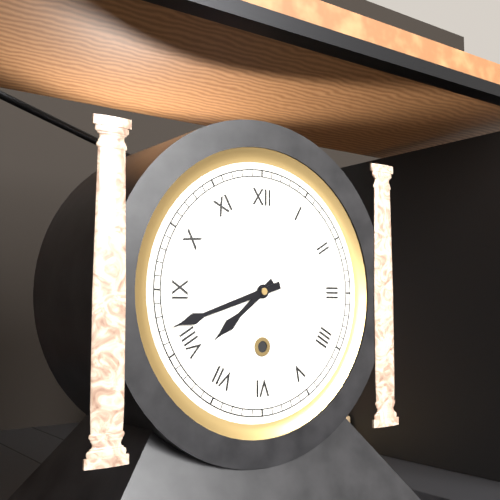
7:42
